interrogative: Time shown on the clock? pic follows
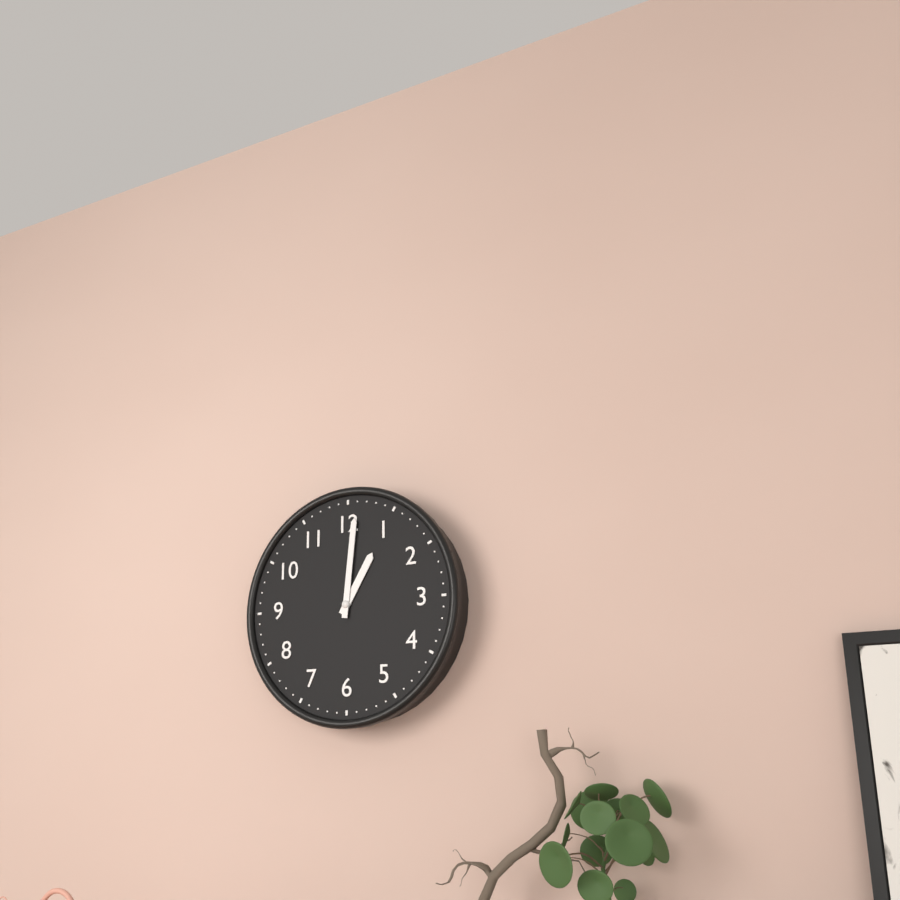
1:01
